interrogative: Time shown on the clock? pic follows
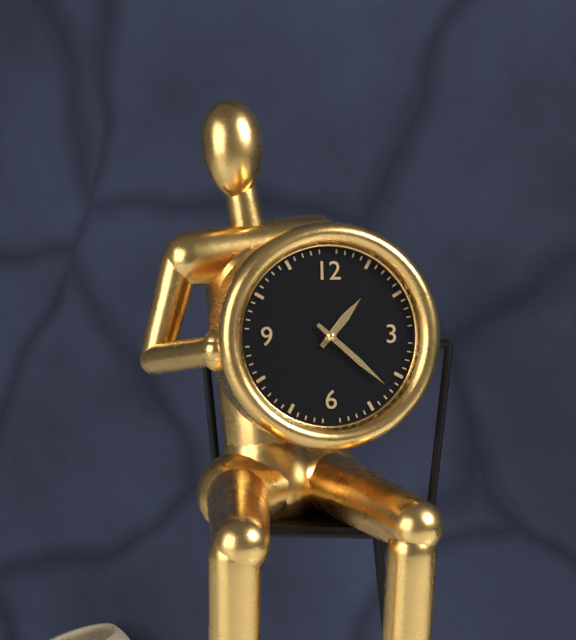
1:22
